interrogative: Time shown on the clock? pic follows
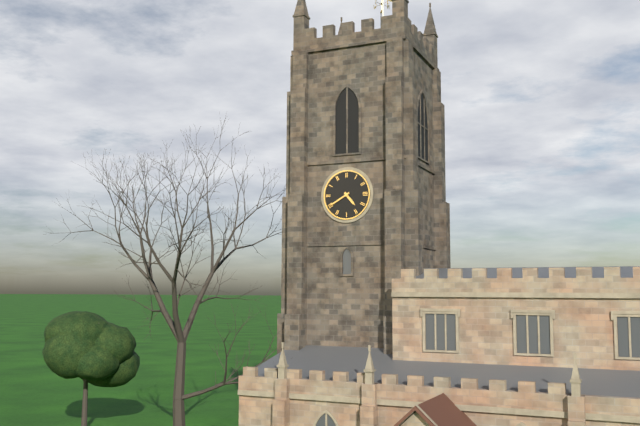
4:40
